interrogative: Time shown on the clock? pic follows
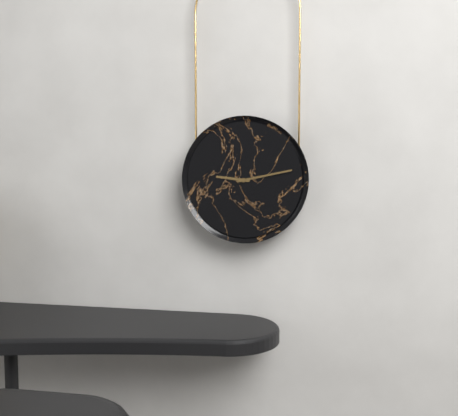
9:13
